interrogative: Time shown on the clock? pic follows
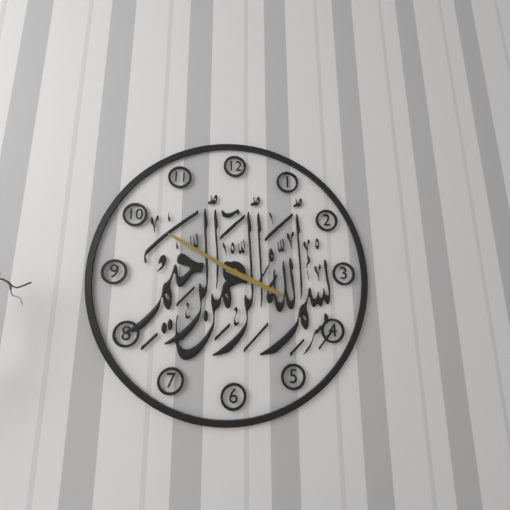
3:50
